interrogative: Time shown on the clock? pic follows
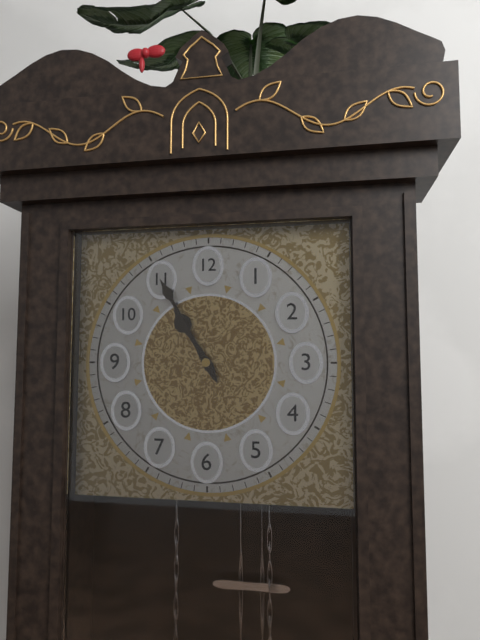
10:55
